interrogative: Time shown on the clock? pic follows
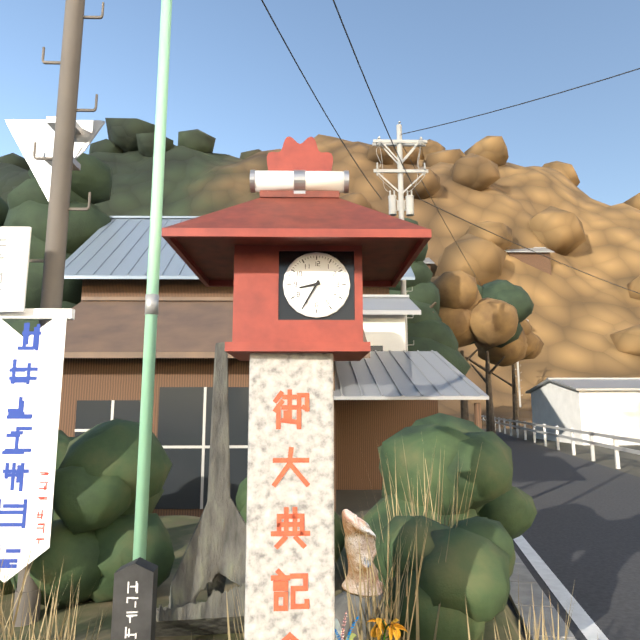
8:35
